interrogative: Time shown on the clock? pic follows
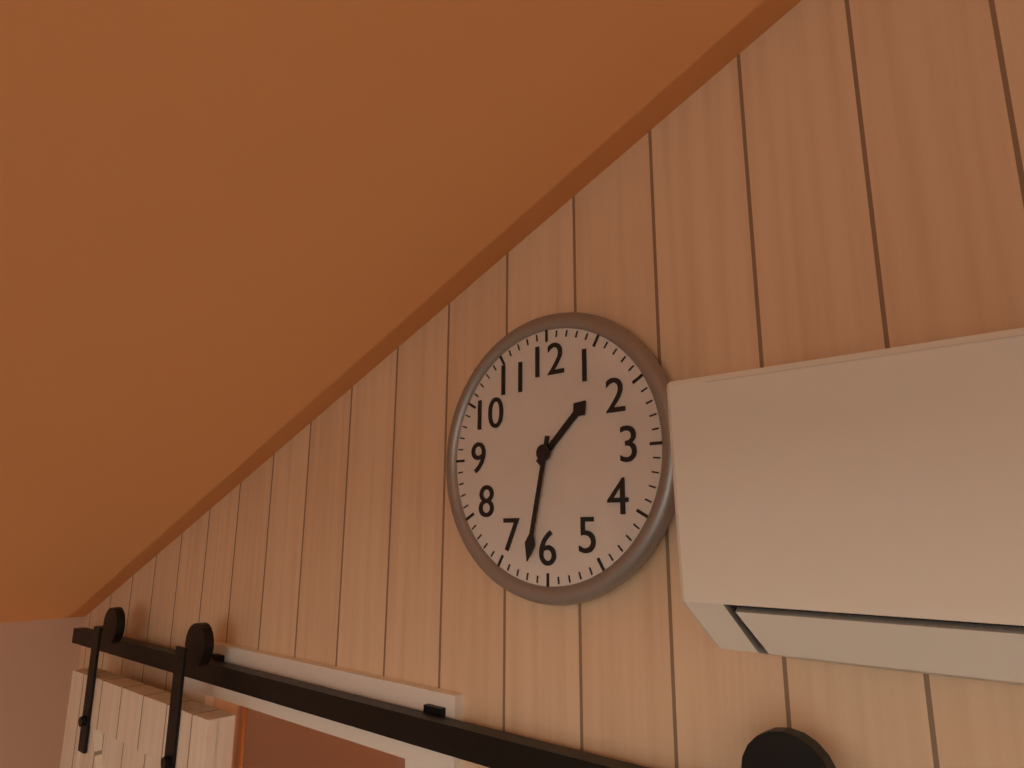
1:32
